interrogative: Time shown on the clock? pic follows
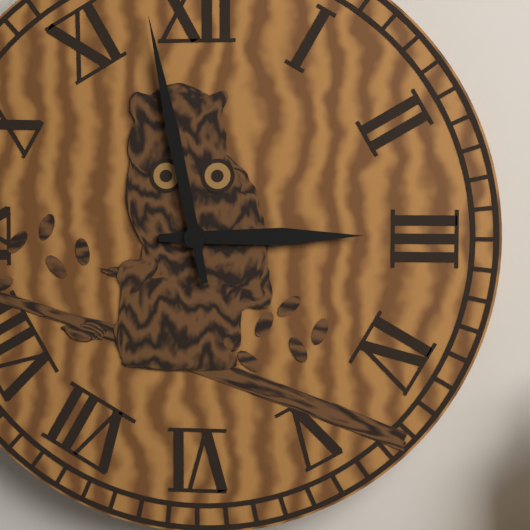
2:58
